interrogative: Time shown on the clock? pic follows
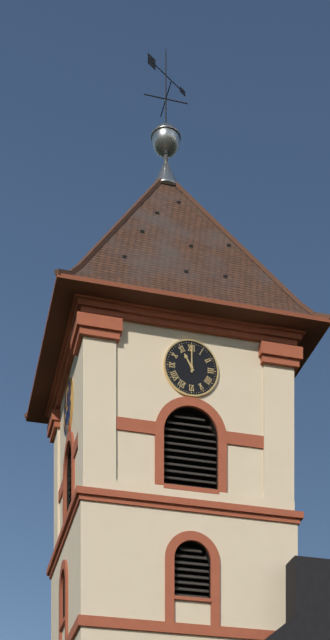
11:00
